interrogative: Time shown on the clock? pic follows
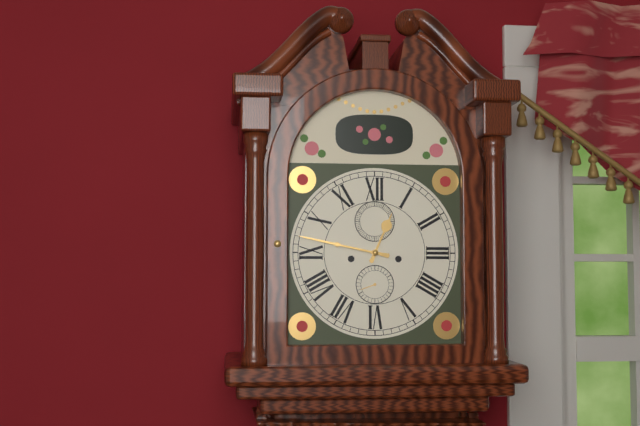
12:47
